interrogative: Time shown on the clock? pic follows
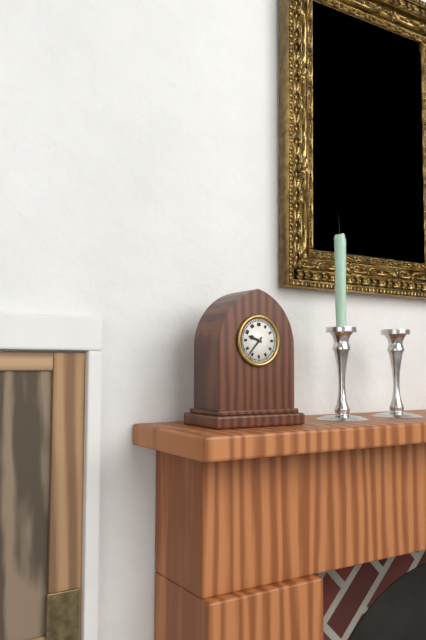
9:37
